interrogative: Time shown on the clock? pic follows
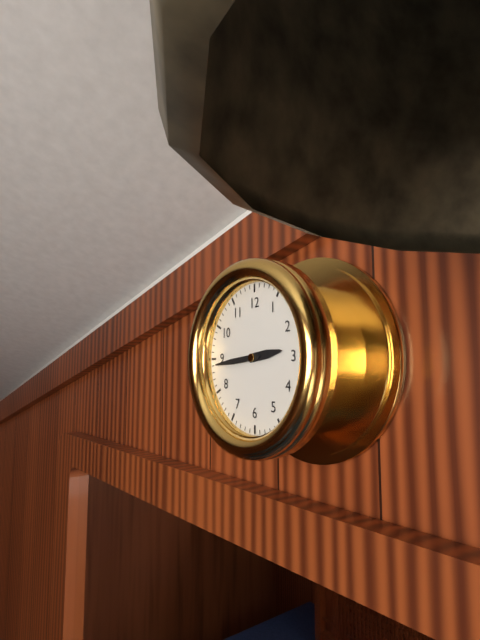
2:44
